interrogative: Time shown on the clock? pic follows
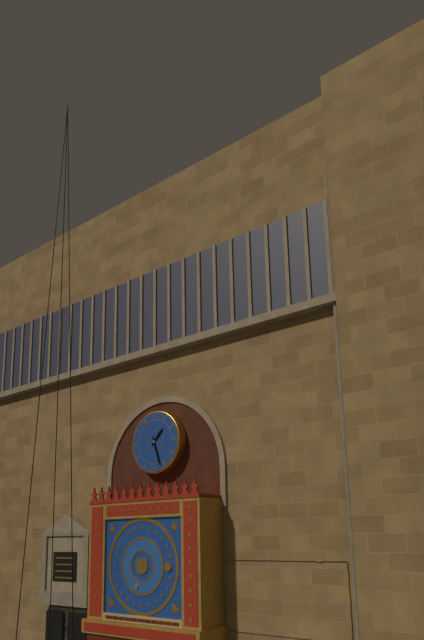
1:27
